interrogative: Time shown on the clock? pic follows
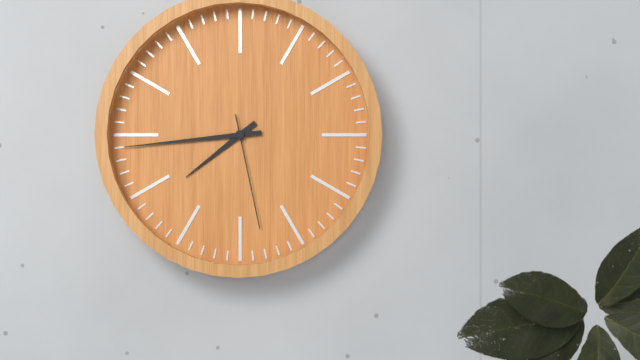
7:44:28
